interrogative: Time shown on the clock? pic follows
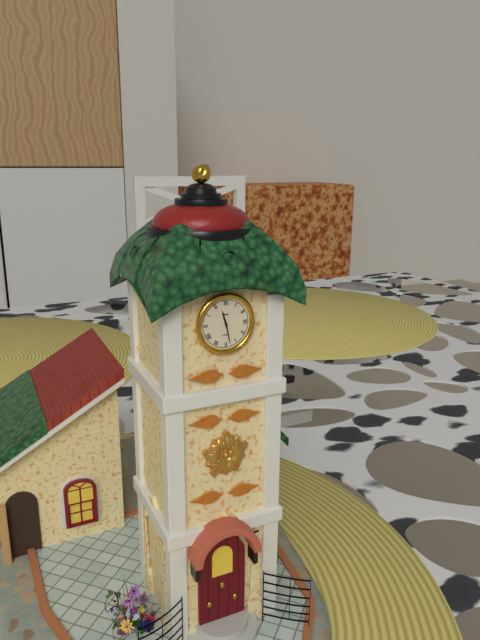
11:28
